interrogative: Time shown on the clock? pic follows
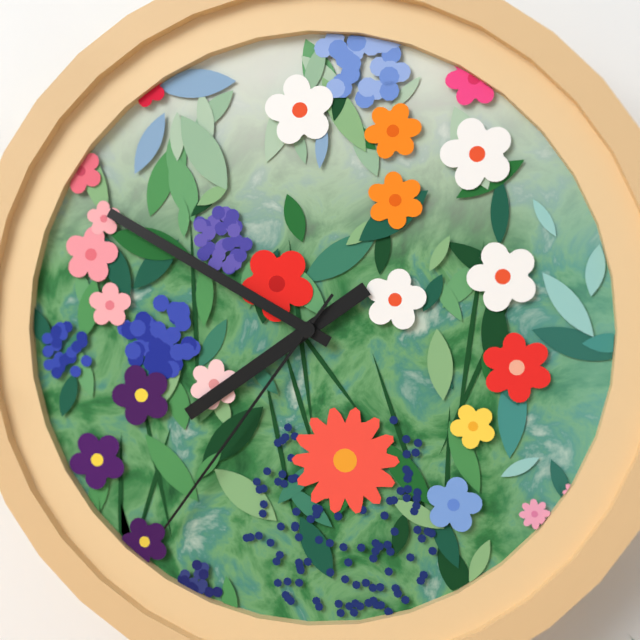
7:50:36
